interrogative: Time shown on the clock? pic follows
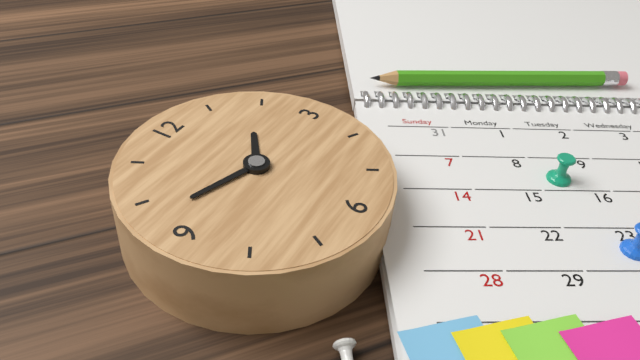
1:48
